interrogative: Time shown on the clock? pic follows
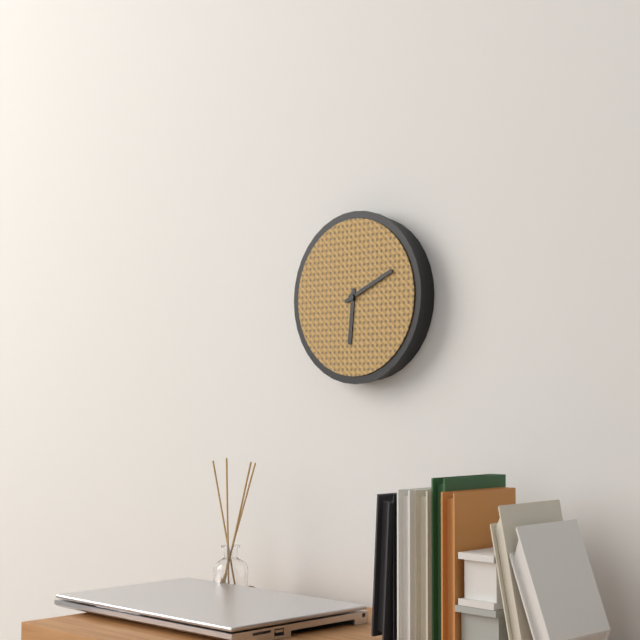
6:11
